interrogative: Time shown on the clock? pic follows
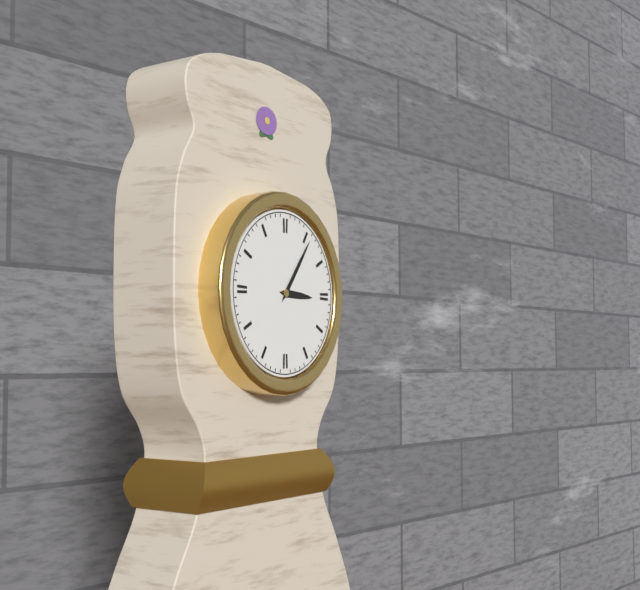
3:06
